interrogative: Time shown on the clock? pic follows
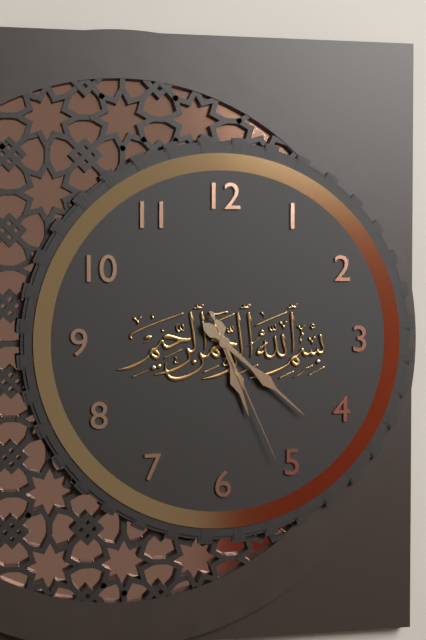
5:22:26
